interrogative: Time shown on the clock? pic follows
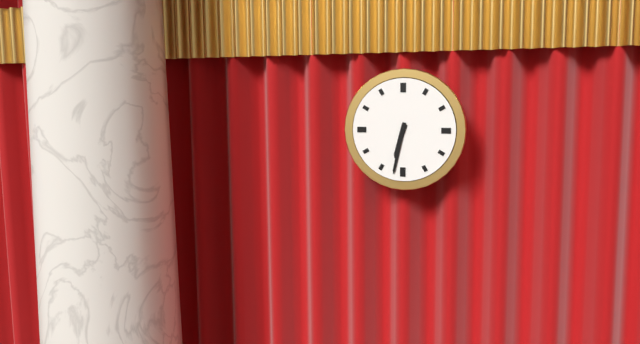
6:32
